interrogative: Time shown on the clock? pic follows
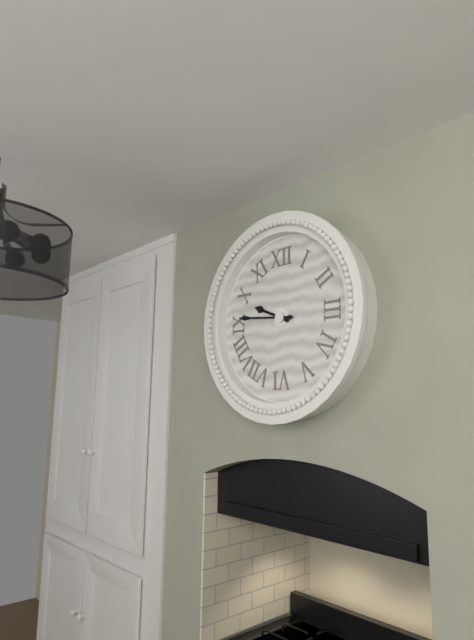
9:46
